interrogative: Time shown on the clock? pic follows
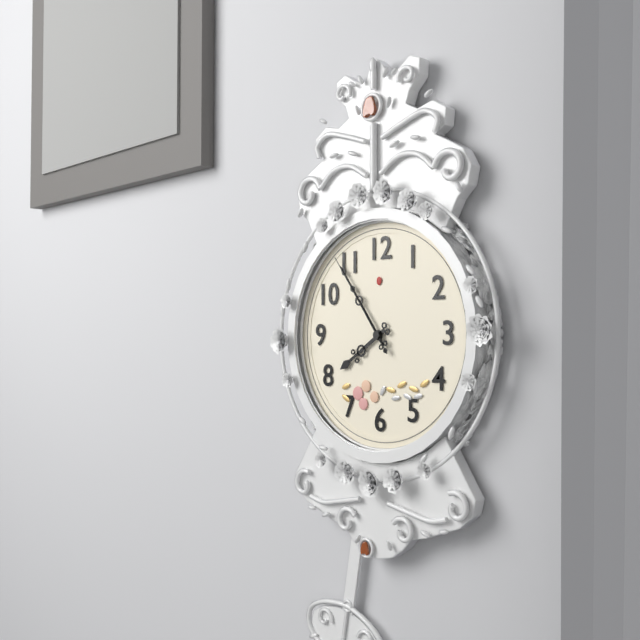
7:54:54
